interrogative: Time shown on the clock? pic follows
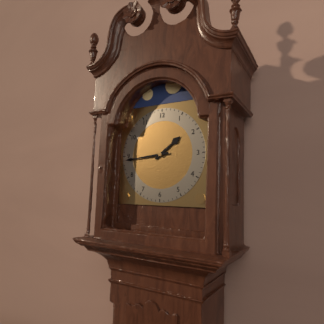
1:44
